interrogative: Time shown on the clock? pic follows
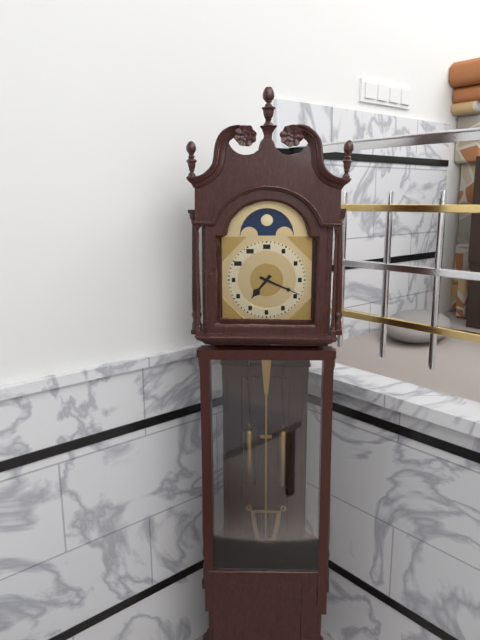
7:19
